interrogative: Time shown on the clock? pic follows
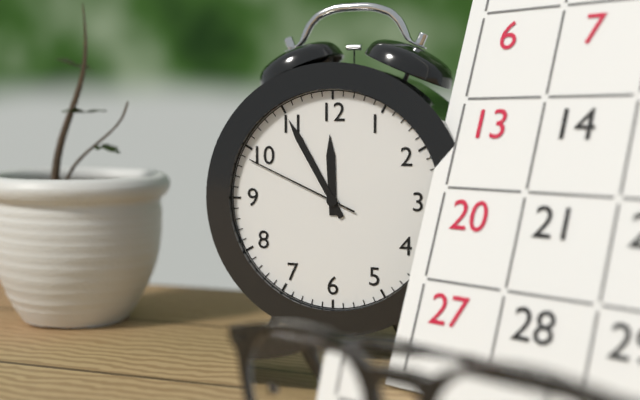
11:55:49
